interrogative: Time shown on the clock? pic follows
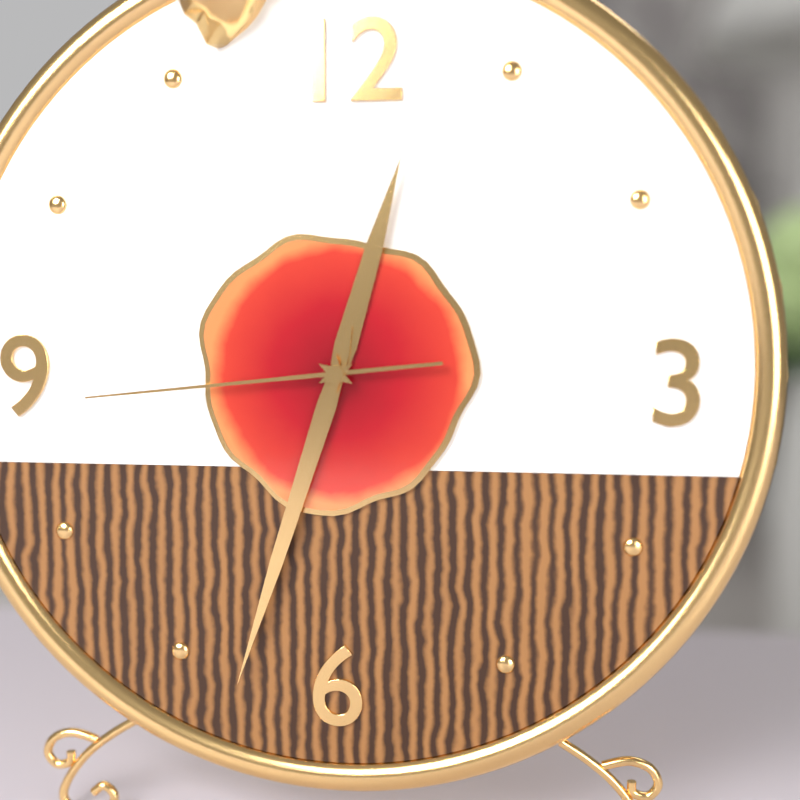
12:33:44
